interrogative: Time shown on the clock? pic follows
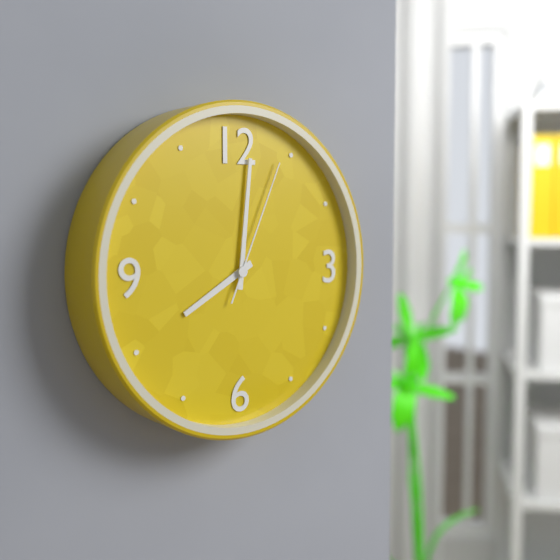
8:01:04
